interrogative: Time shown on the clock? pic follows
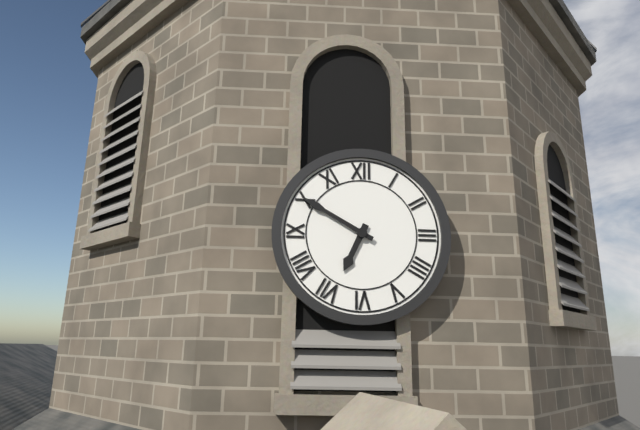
6:50
